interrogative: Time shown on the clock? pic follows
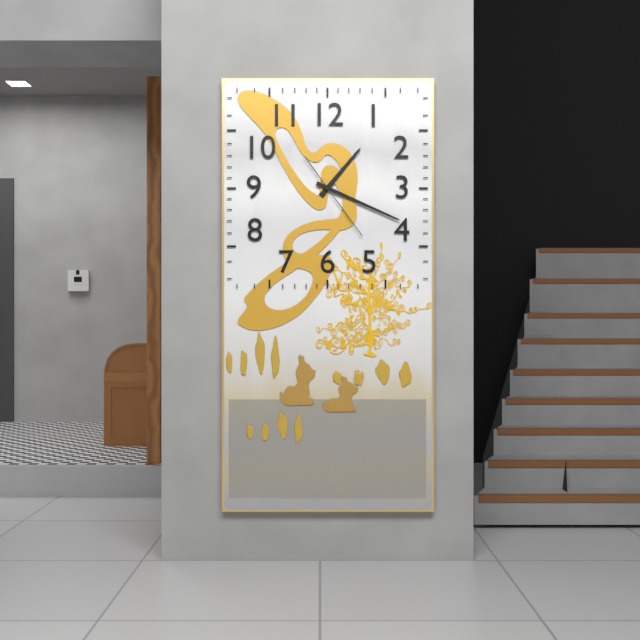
1:19:24
